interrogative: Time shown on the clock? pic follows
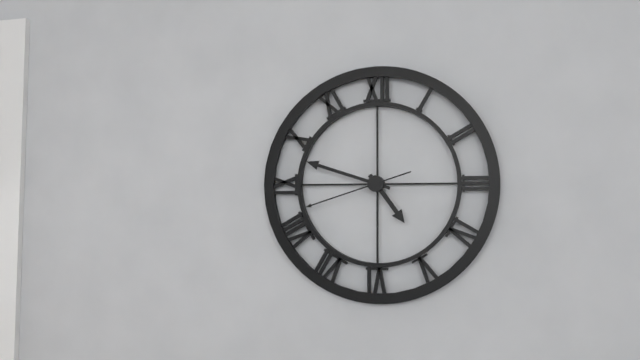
4:48:42
